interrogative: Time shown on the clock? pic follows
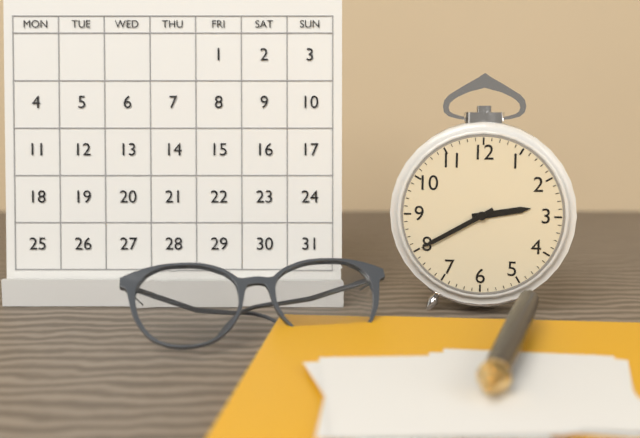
2:40
